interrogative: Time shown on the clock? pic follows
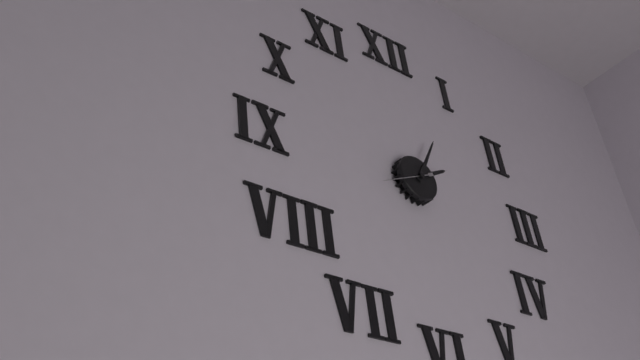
2:05
